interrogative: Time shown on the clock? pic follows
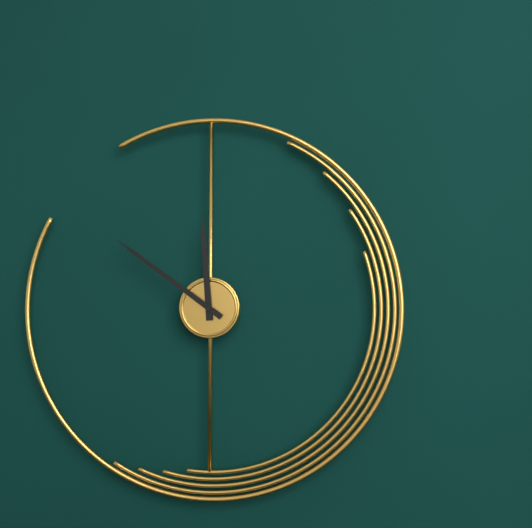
11:51
